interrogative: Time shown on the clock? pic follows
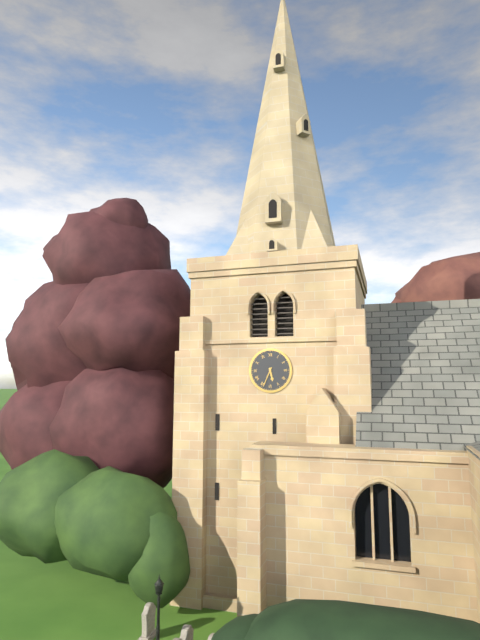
5:34
